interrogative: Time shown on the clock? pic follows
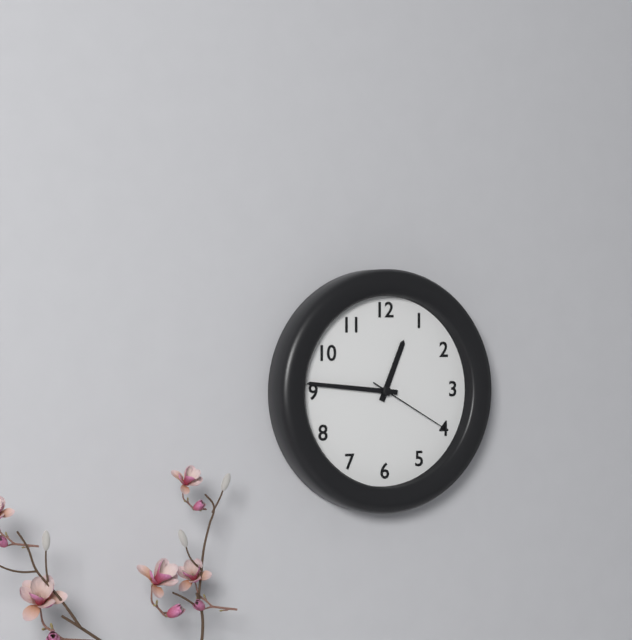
12:46:20
